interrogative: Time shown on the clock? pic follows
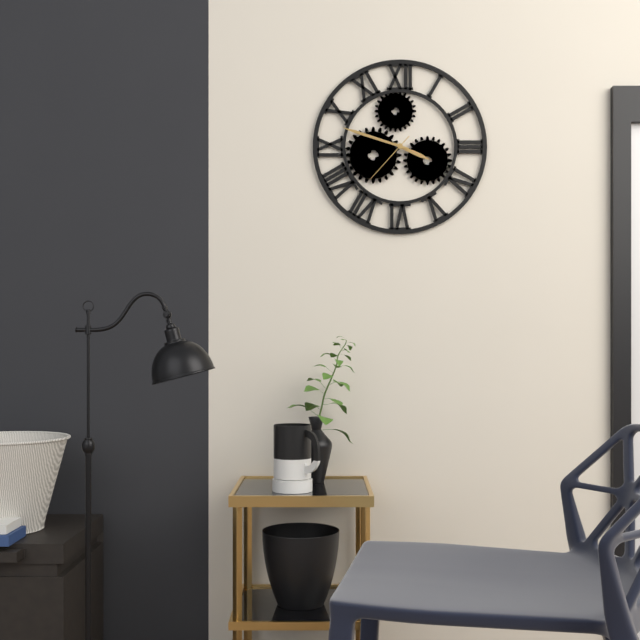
3:48:37
